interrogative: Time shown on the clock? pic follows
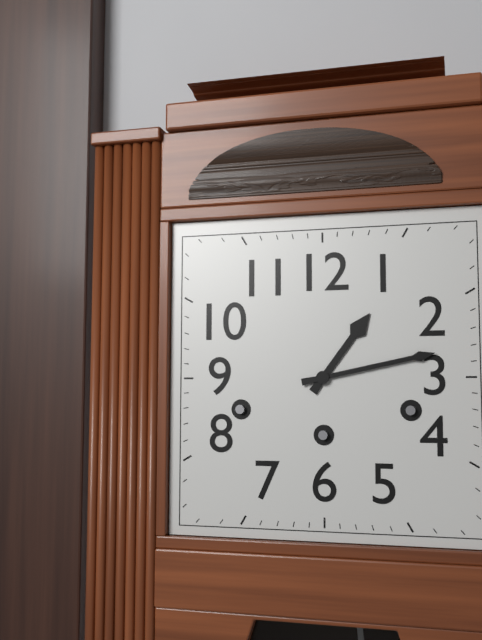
1:13
